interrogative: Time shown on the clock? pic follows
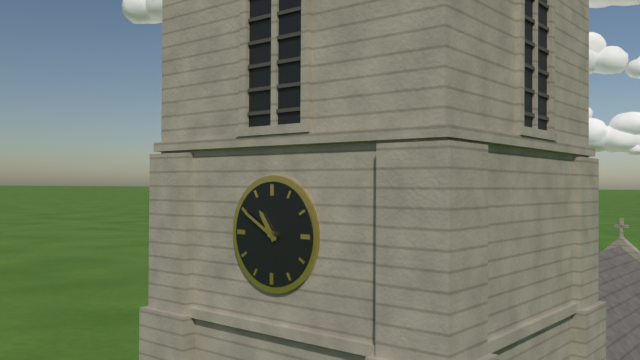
10:50
